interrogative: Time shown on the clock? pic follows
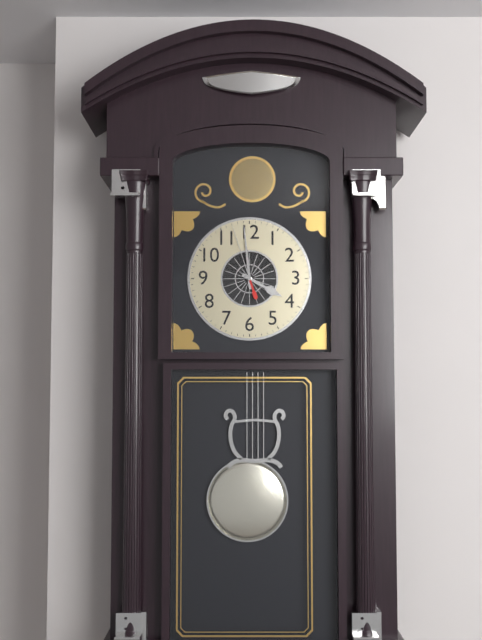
3:59:57
